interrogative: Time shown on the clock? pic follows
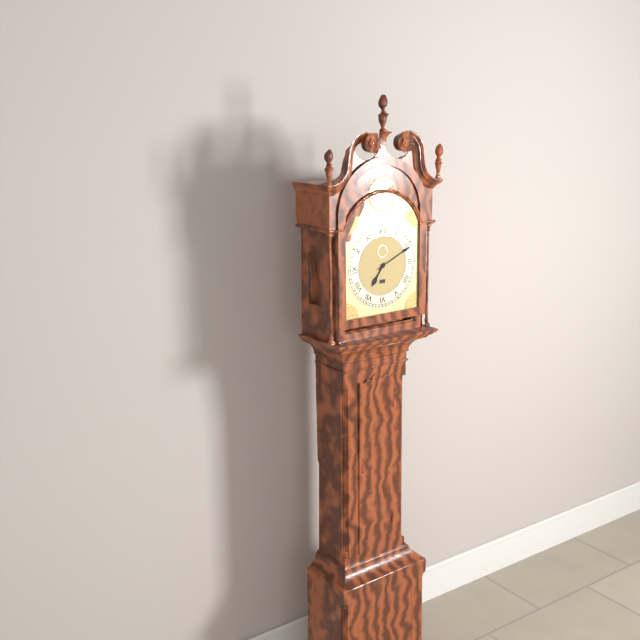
7:11
